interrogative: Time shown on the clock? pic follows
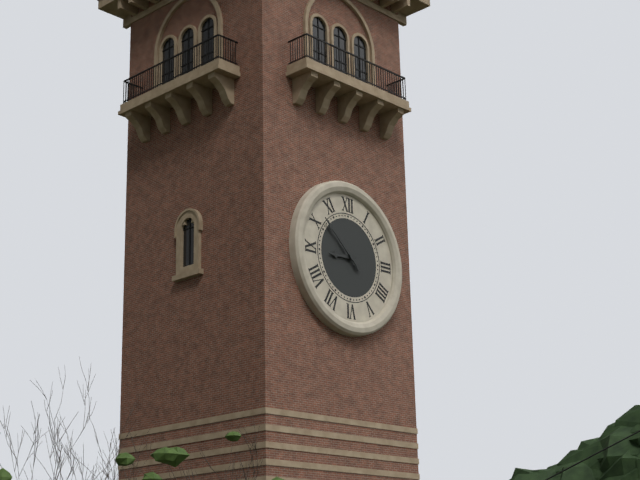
8:52
